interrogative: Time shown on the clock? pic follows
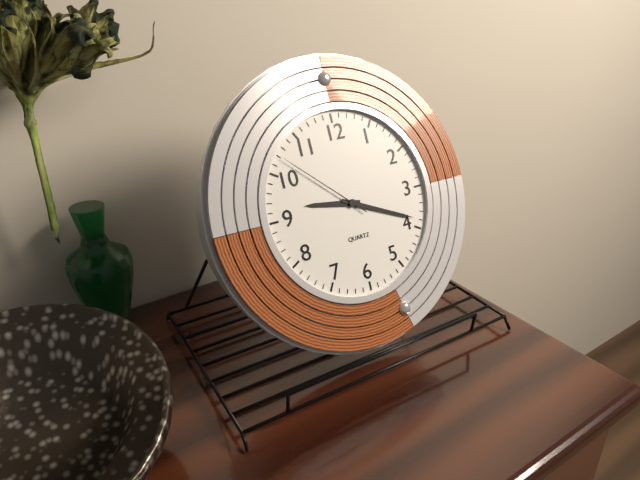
9:19:52
